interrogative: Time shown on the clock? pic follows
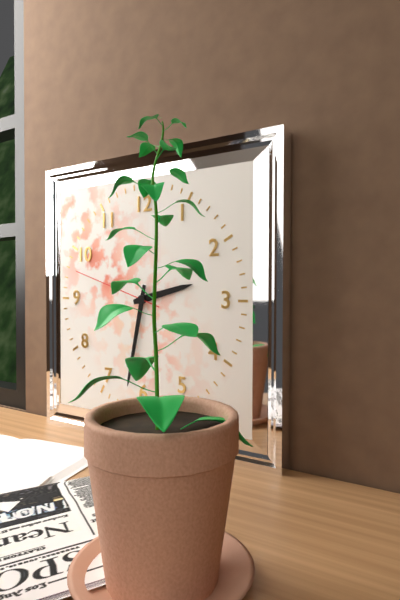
2:32:48
